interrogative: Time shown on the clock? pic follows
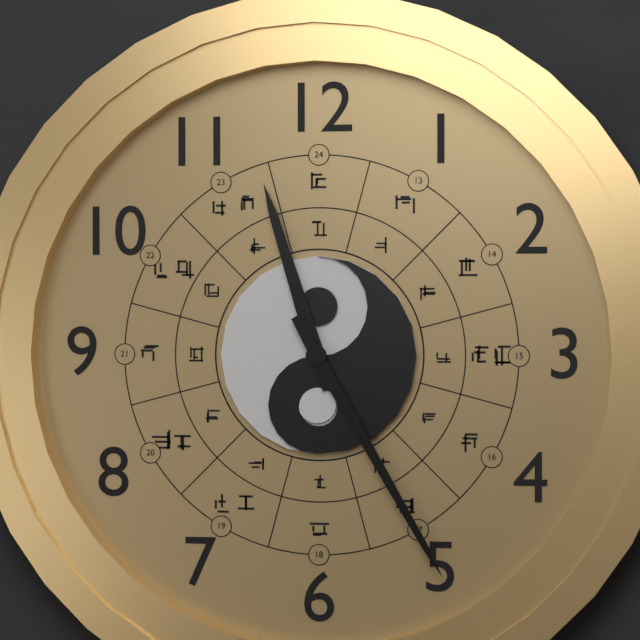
11:25
